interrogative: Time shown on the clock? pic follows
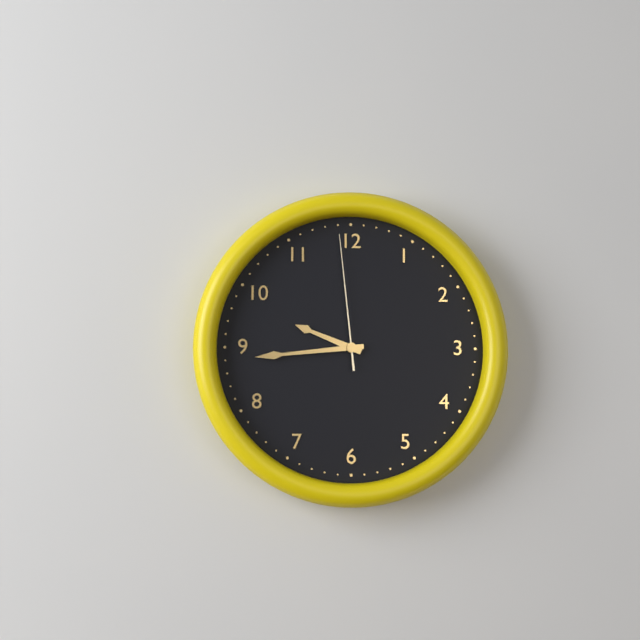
9:44:59
